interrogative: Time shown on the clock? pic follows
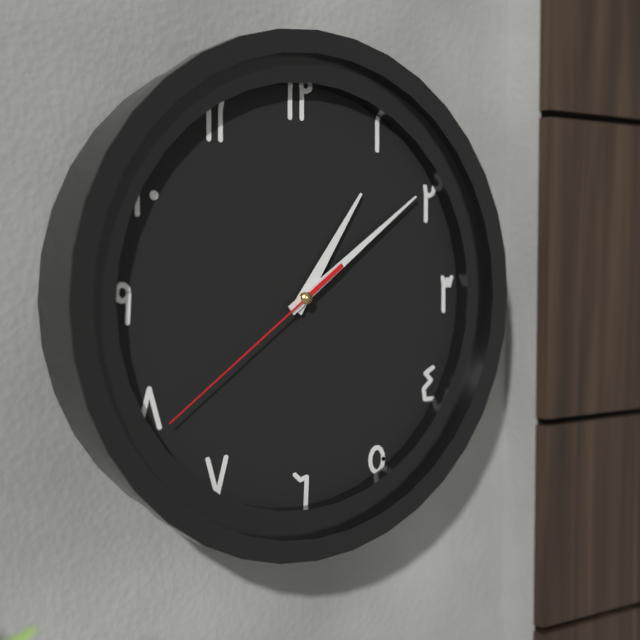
1:09:39
